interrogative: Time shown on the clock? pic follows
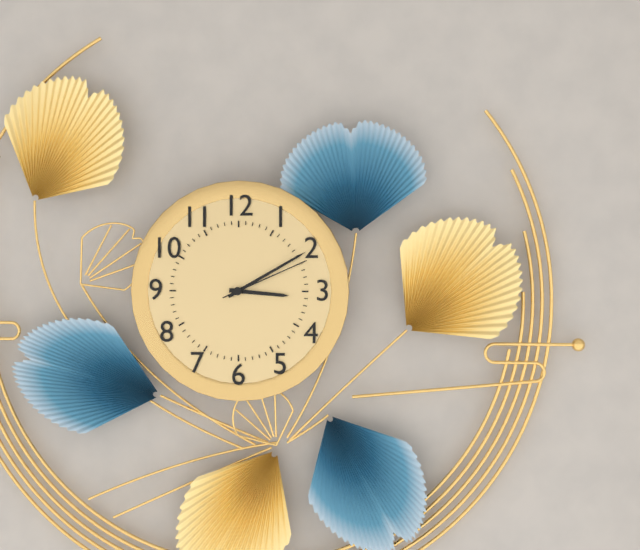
3:10:11
